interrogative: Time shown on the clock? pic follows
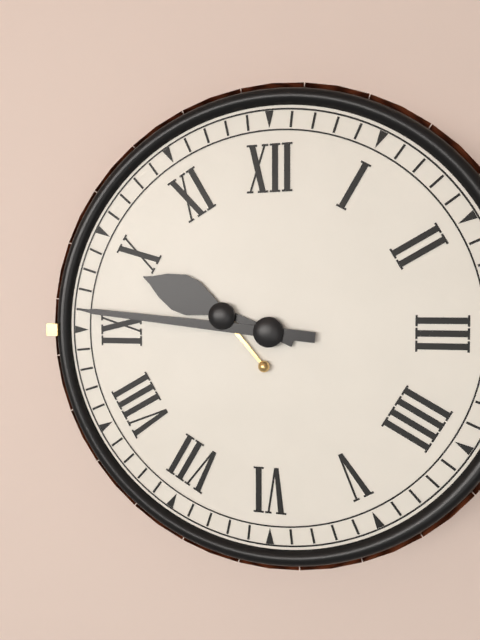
9:46
